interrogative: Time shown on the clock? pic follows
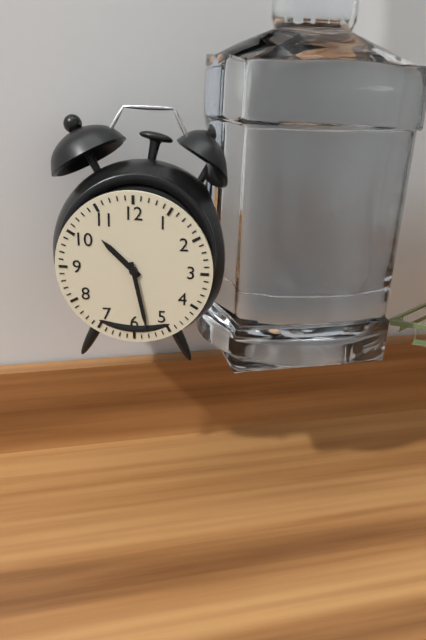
10:28
